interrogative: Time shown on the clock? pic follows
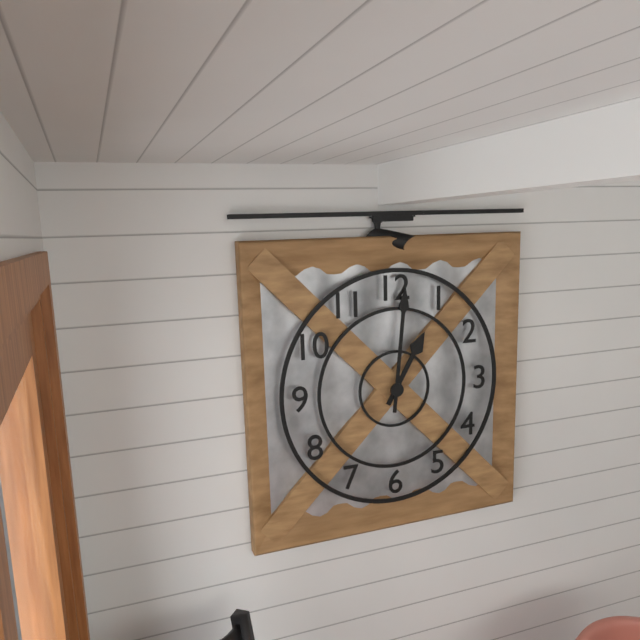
1:01
